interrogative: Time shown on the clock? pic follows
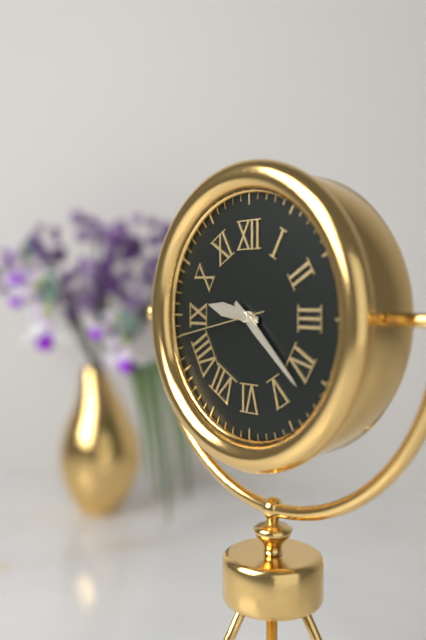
9:22:43
